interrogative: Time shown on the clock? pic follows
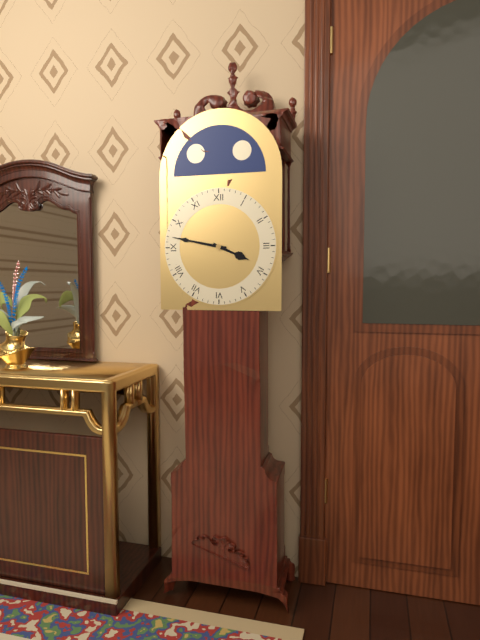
3:47
